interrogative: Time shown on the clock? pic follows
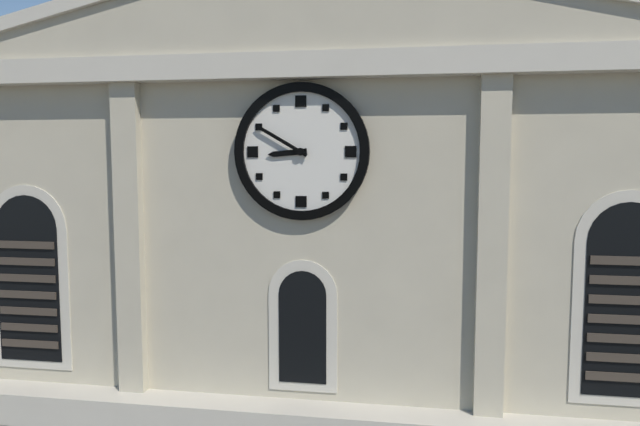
8:50
